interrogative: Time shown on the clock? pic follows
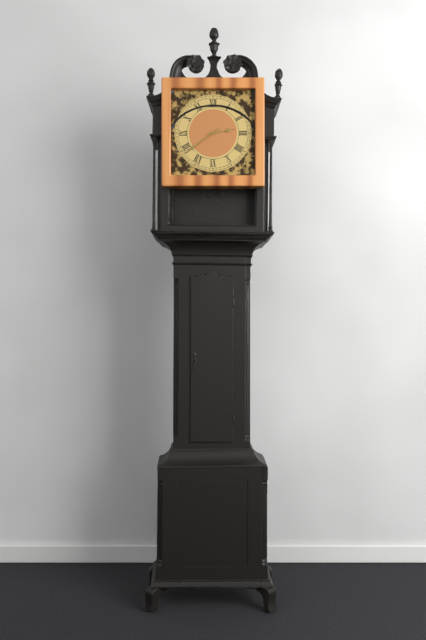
2:39
